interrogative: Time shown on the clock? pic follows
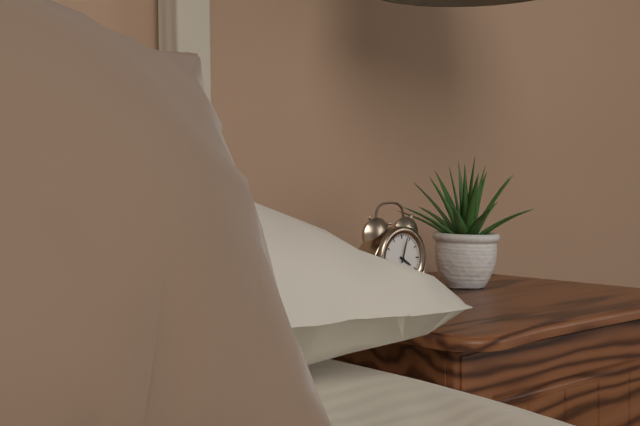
4:03
